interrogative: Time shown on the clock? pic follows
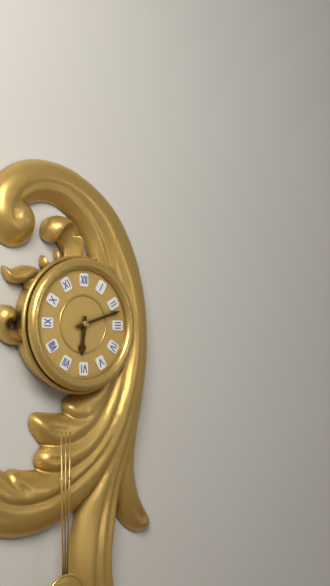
6:12
